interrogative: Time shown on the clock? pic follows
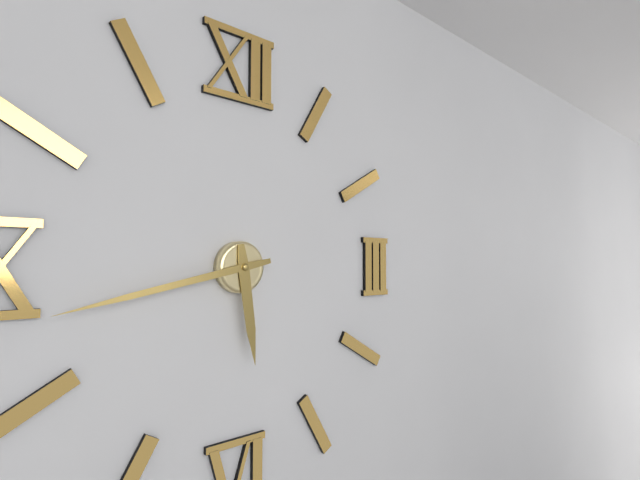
5:43
